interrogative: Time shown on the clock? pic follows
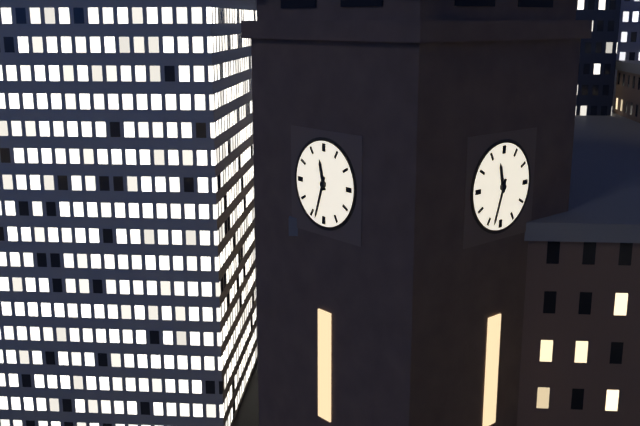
11:33
